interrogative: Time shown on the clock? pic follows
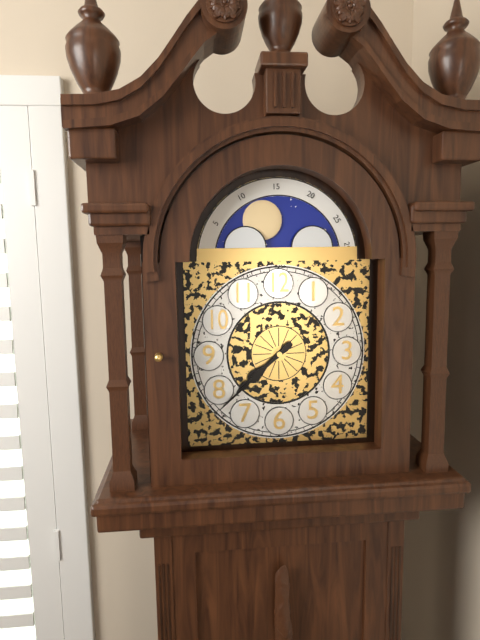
7:38
